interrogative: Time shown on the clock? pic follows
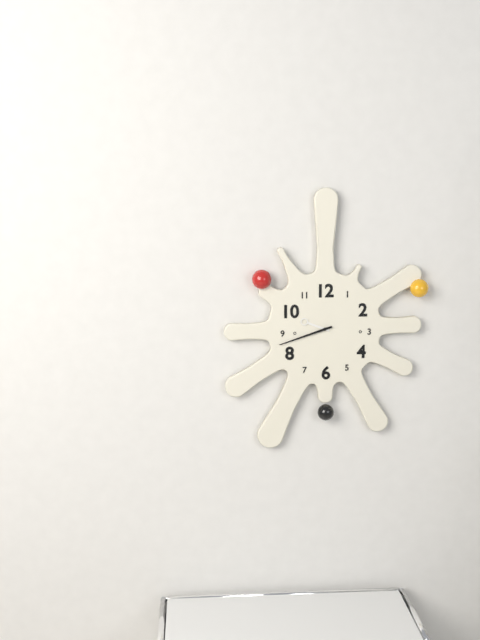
9:42
